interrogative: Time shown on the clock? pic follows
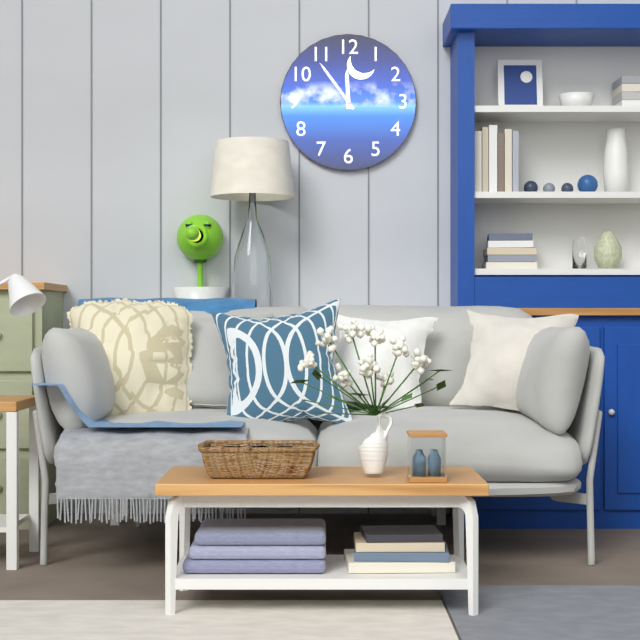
11:54
